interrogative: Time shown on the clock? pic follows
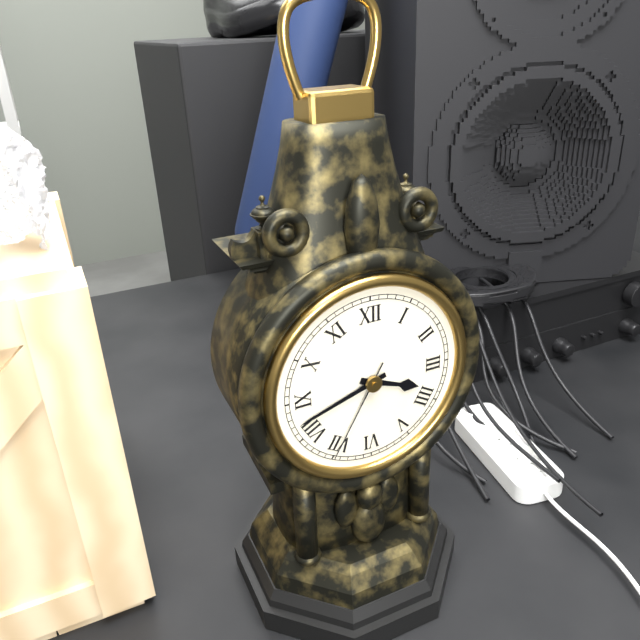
3:42:35
